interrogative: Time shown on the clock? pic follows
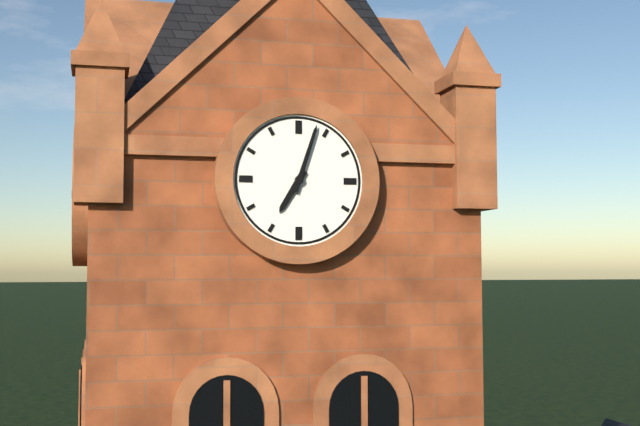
7:03
